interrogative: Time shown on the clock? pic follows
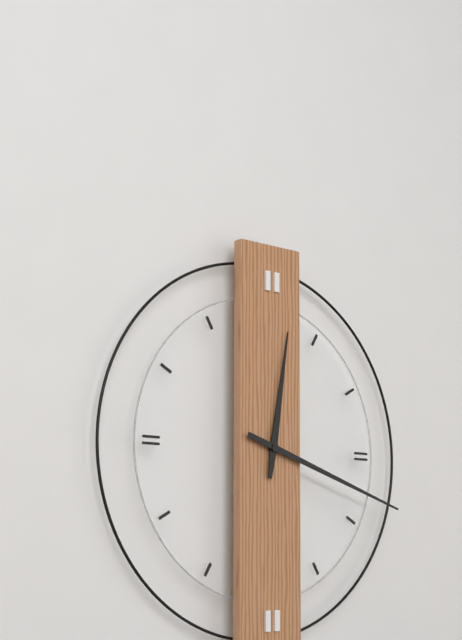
12:18
